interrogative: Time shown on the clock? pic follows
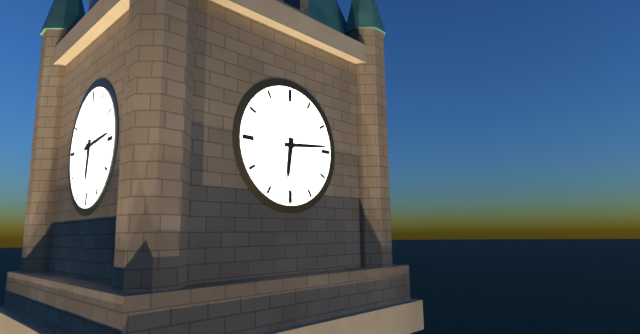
6:14
